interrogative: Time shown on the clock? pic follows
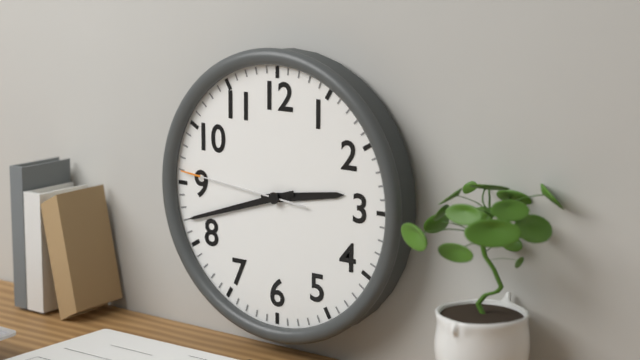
2:42:46
